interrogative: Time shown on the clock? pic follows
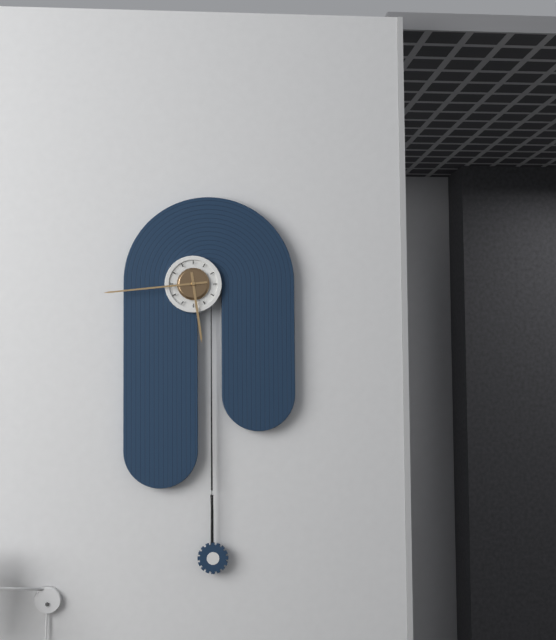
5:44
